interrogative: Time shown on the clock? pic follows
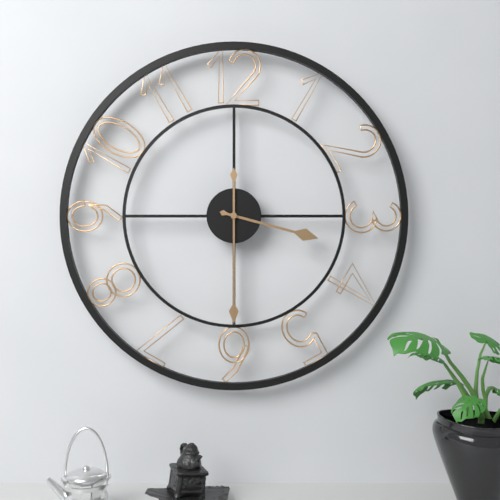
3:30
